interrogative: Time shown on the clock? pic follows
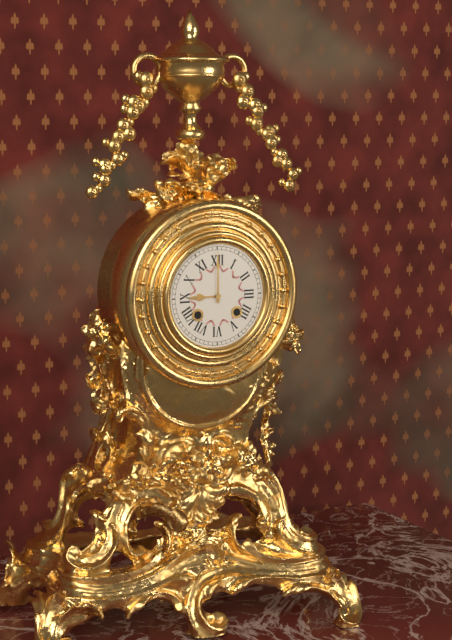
9:00
